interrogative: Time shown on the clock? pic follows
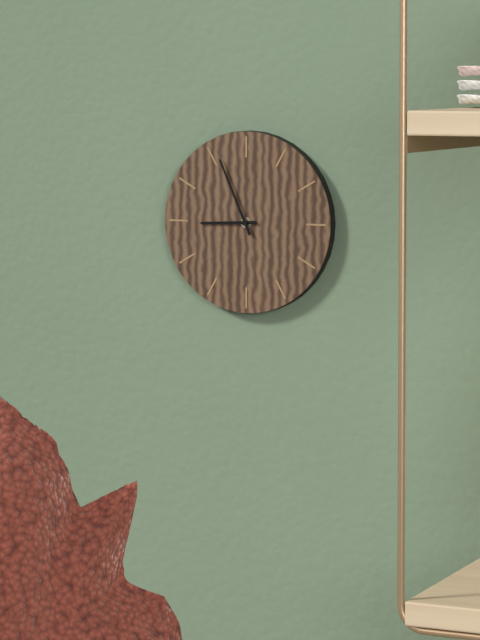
8:56
